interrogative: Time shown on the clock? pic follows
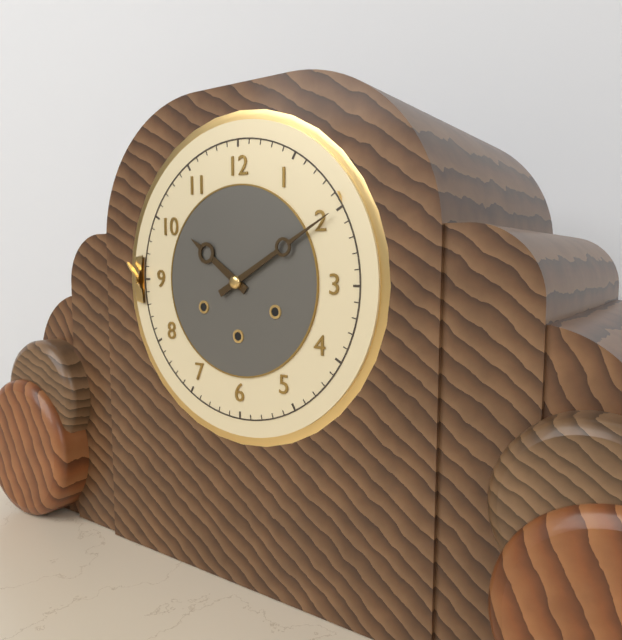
10:10
